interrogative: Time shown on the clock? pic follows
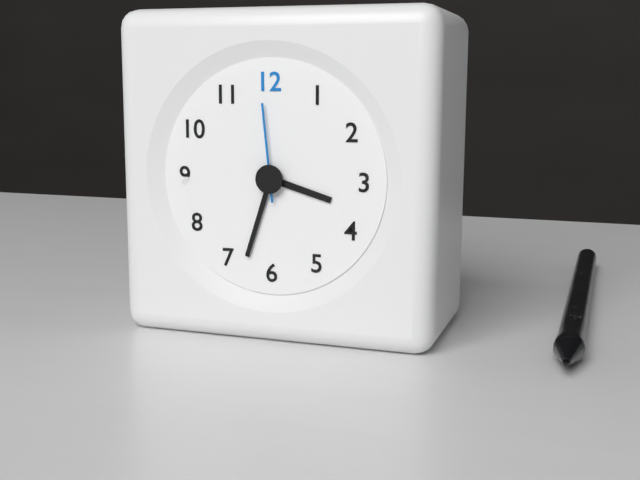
3:33:59
